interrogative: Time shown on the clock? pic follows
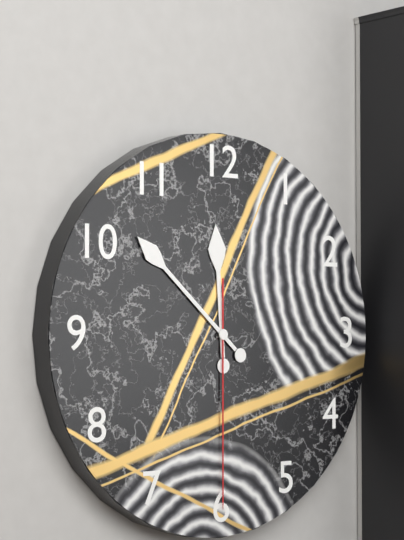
11:52:30
